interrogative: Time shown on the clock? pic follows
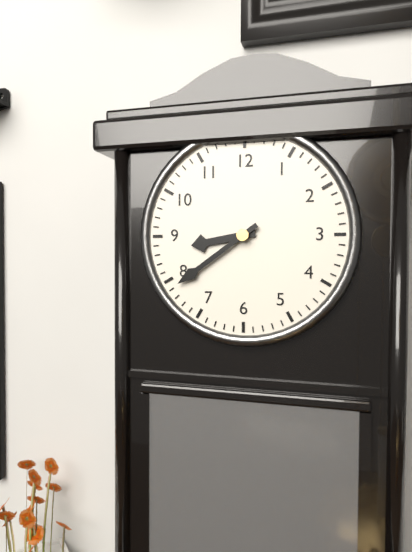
8:39
